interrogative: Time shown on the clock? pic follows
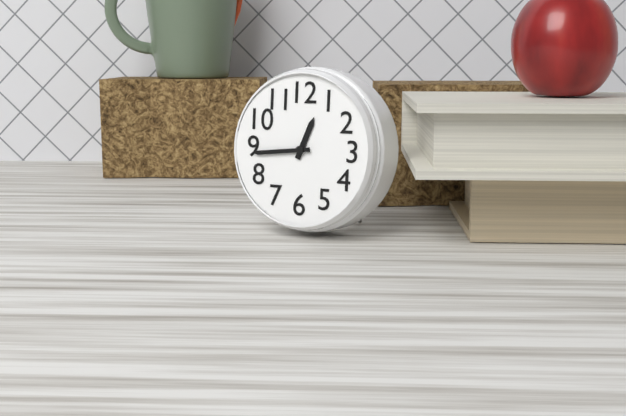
12:44
